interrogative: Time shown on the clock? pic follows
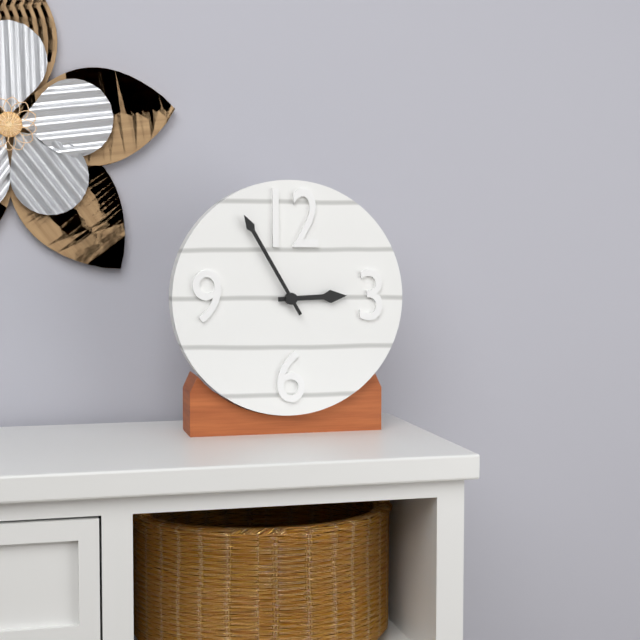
2:55
